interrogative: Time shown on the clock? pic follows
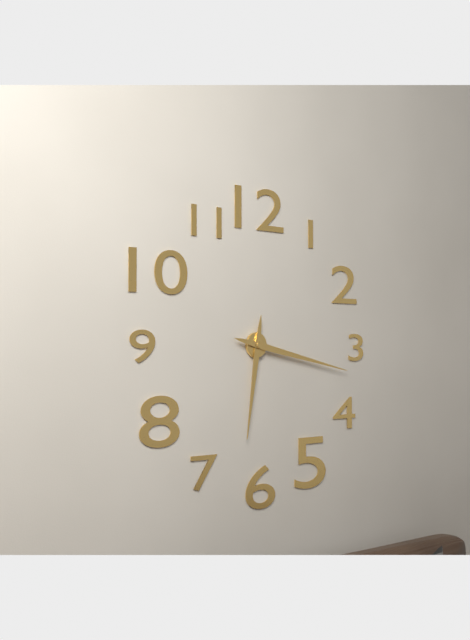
6:17
